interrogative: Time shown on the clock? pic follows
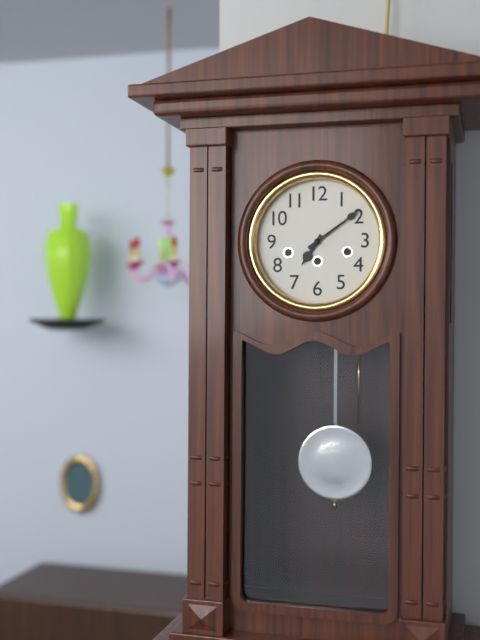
7:09
